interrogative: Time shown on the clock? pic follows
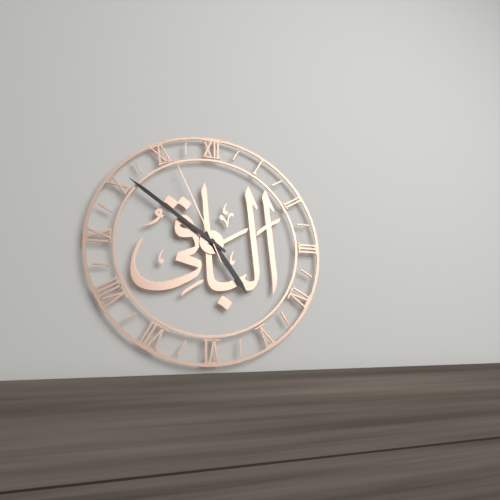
4:51:56
